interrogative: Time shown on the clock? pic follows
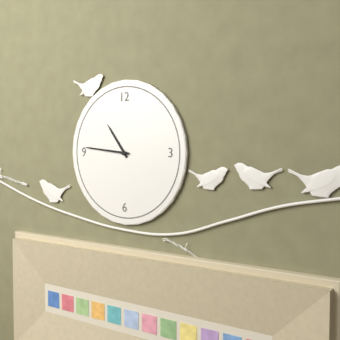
10:46
